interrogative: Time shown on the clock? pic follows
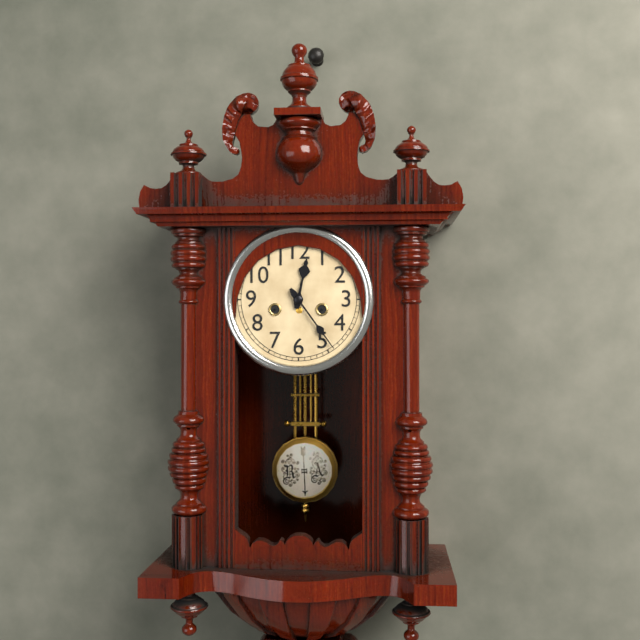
12:24
